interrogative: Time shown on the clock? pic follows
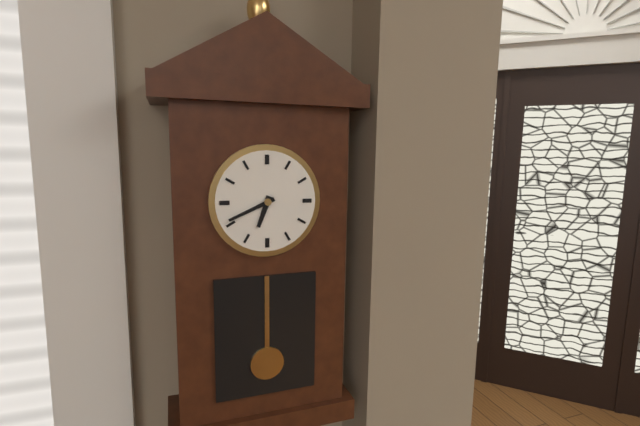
6:41
